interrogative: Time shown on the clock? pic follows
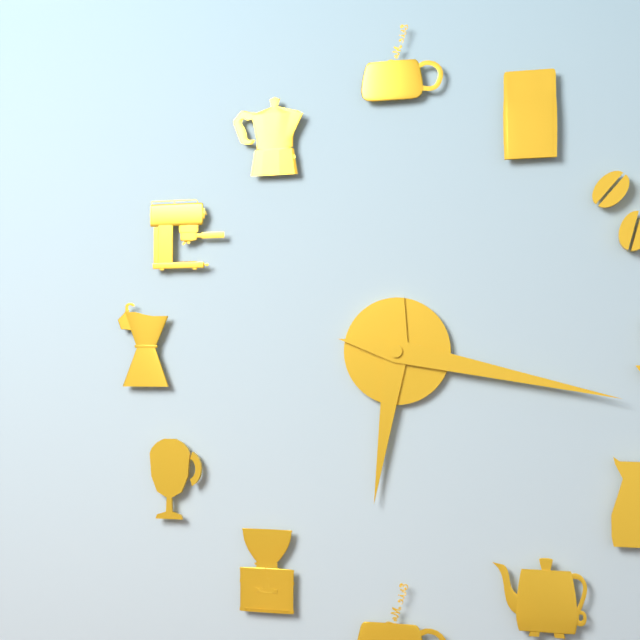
6:17
